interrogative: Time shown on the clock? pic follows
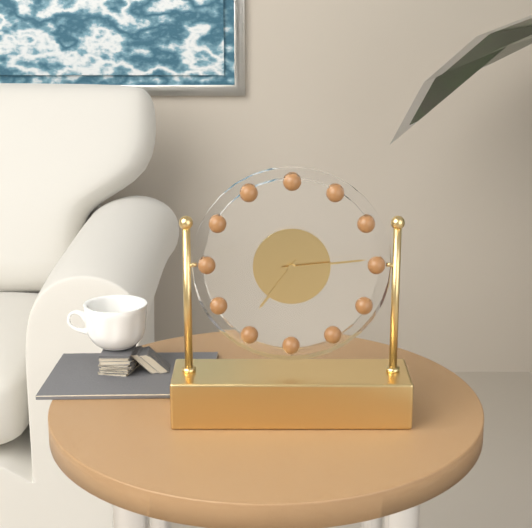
7:14
